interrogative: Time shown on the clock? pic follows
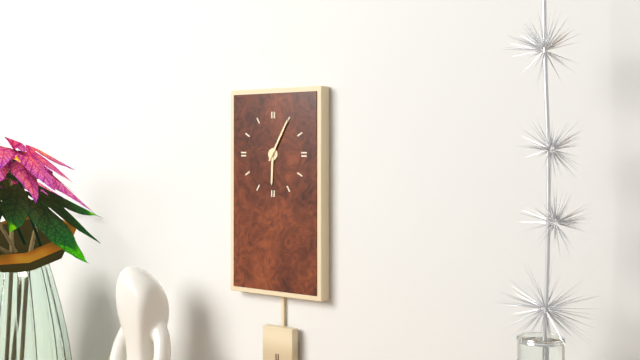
6:05
